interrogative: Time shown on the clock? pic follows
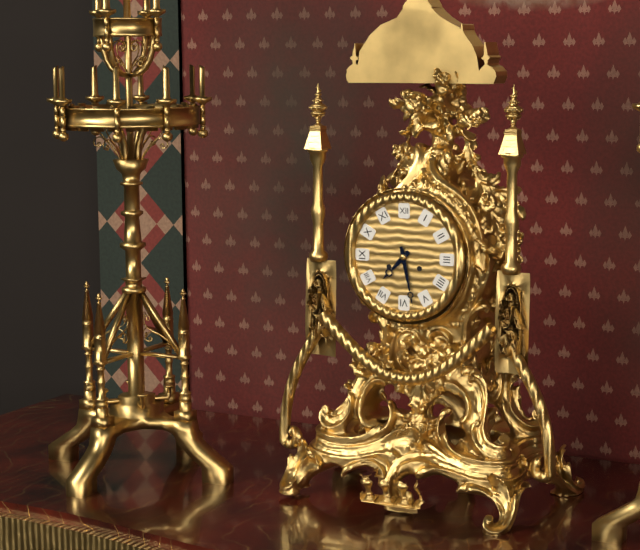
7:28
